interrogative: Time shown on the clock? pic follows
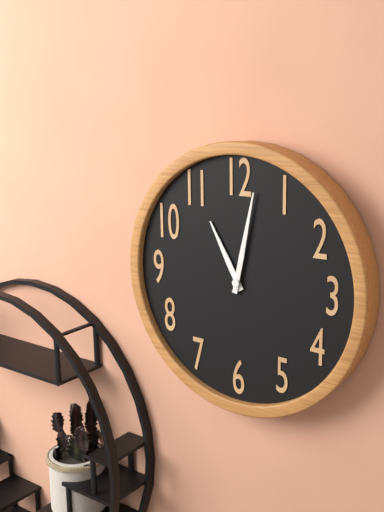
11:02
